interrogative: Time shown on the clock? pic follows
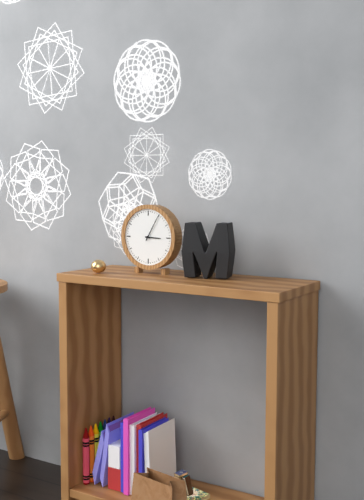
3:05
